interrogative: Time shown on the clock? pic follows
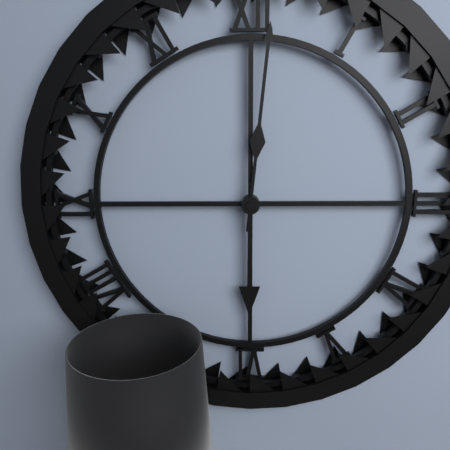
6:01
